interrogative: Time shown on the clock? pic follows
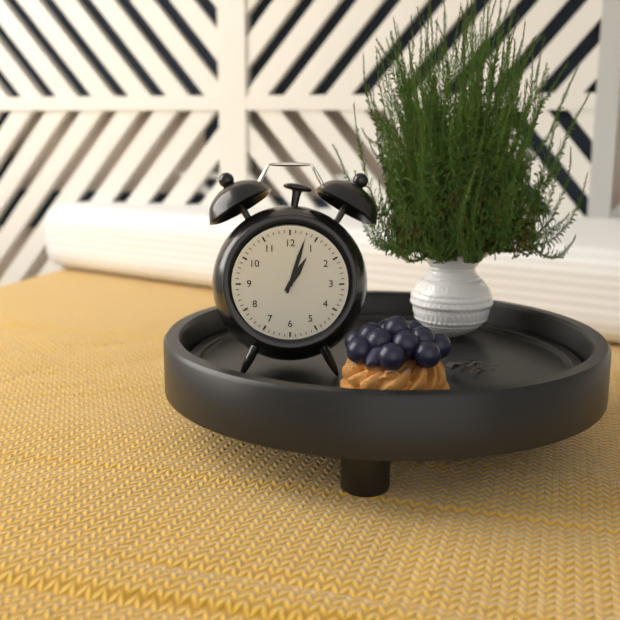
1:03
